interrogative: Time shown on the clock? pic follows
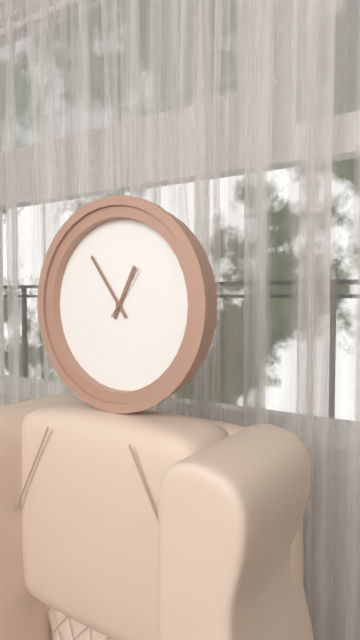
12:54:06
